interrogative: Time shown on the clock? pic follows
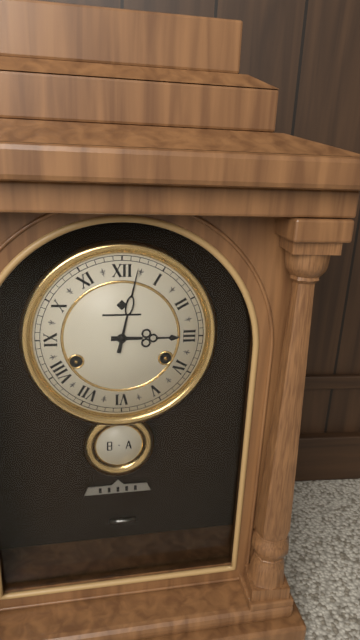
3:02
